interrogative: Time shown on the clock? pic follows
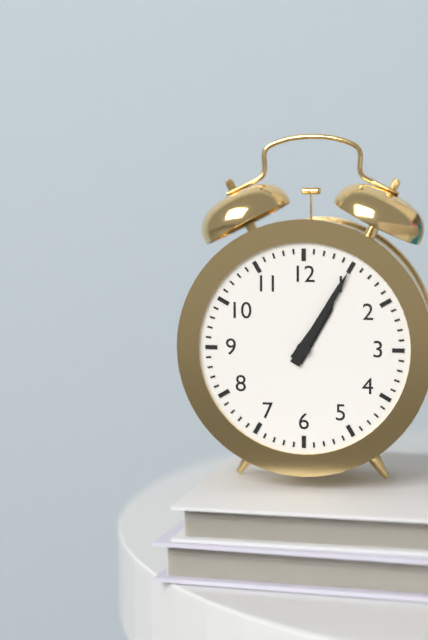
1:05
